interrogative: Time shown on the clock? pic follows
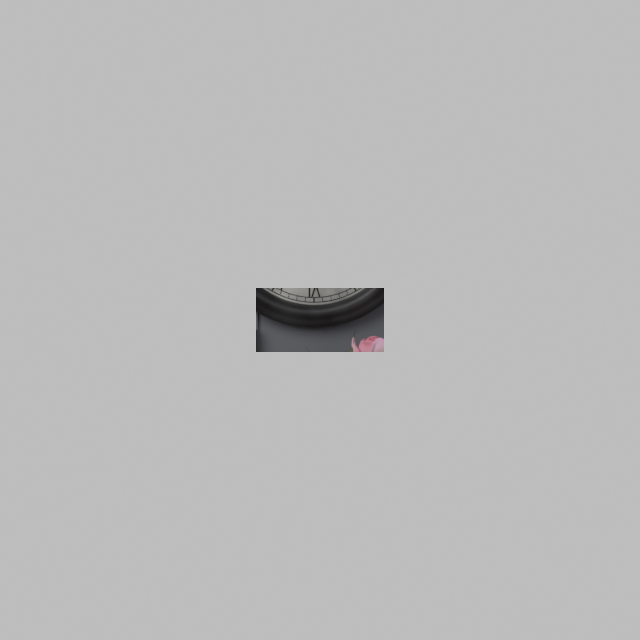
11:47
